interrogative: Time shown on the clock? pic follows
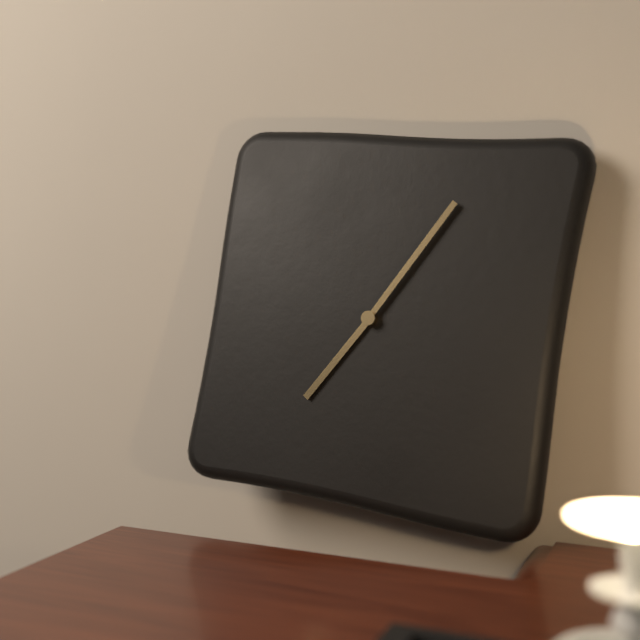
7:05
